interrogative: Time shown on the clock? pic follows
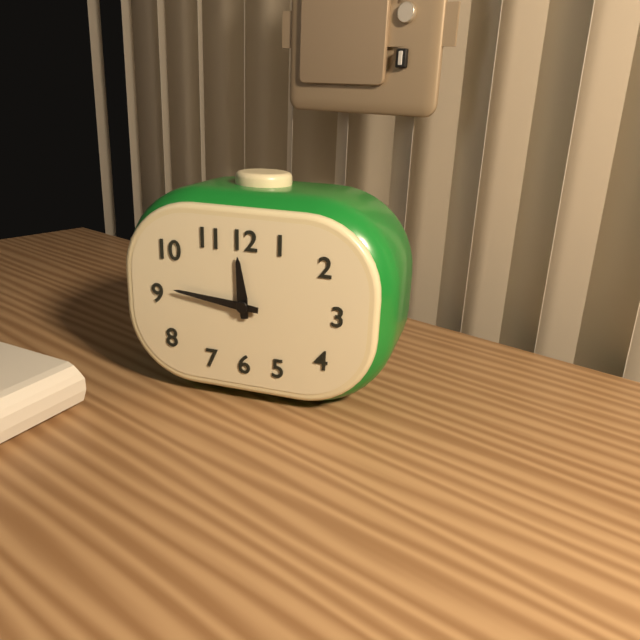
11:46
